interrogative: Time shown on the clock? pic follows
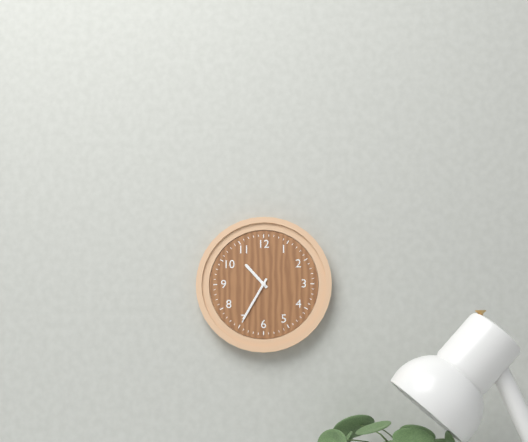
10:35
